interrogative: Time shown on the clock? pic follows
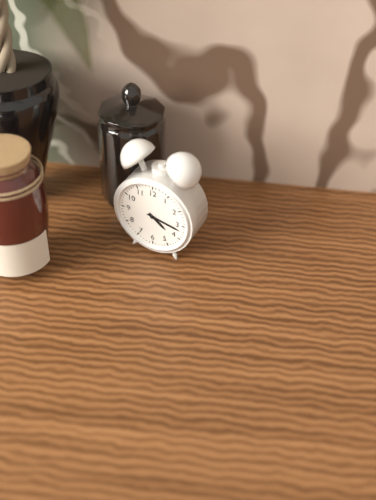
4:17
